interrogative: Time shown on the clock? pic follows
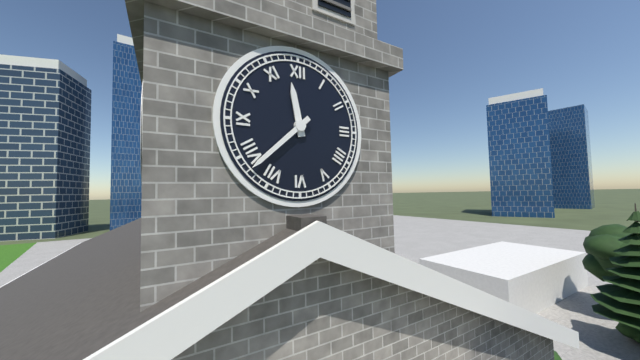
11:38
